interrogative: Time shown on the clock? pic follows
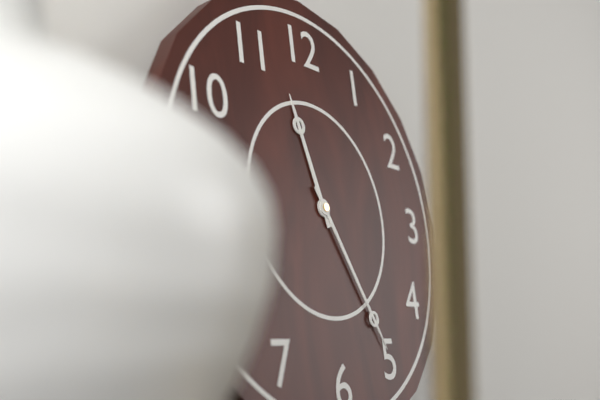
11:25
